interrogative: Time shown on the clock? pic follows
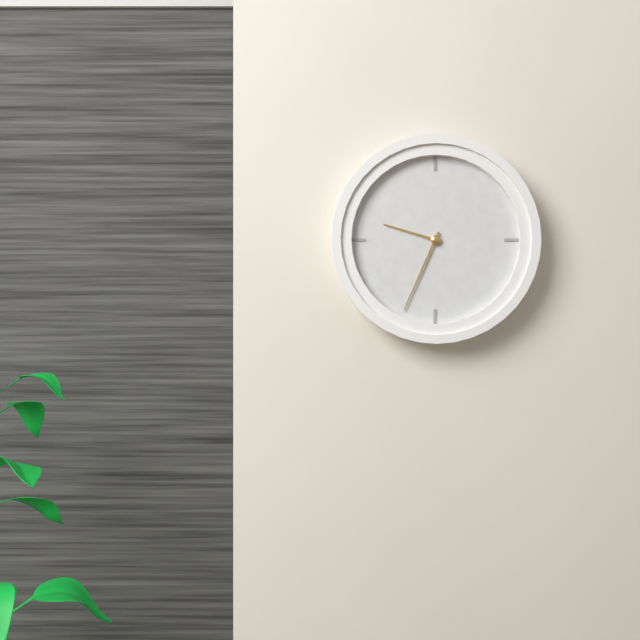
9:34
